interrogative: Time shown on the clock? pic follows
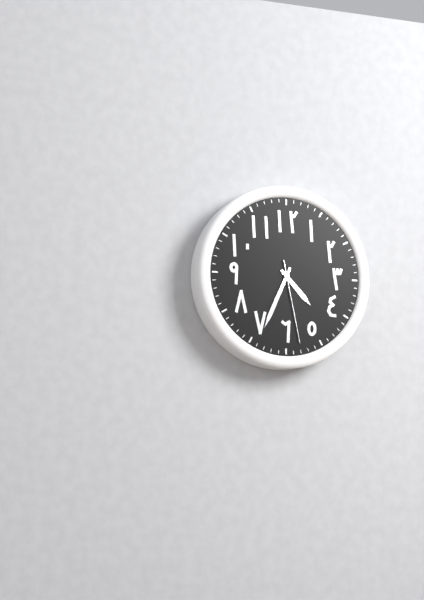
4:34:28
